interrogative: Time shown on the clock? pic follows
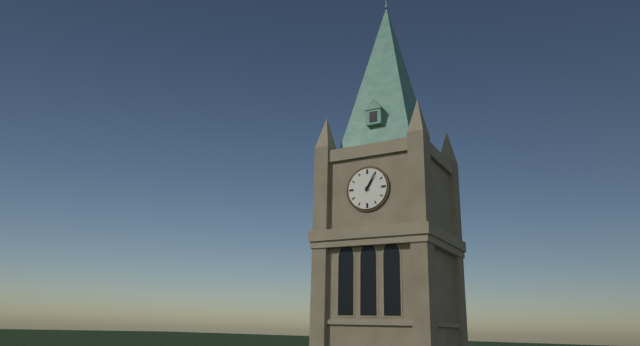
1:05
